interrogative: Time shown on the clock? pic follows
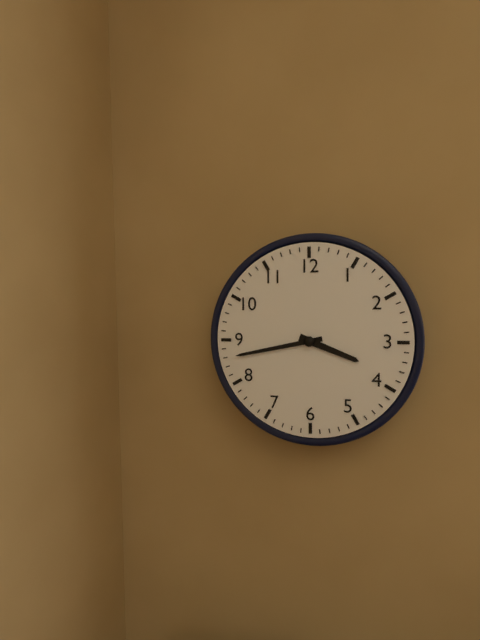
3:43
